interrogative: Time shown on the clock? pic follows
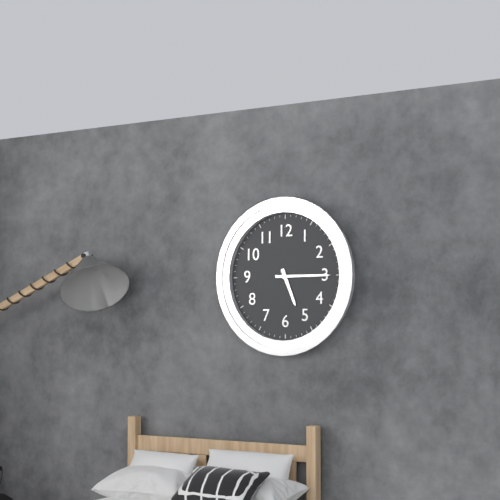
5:15
